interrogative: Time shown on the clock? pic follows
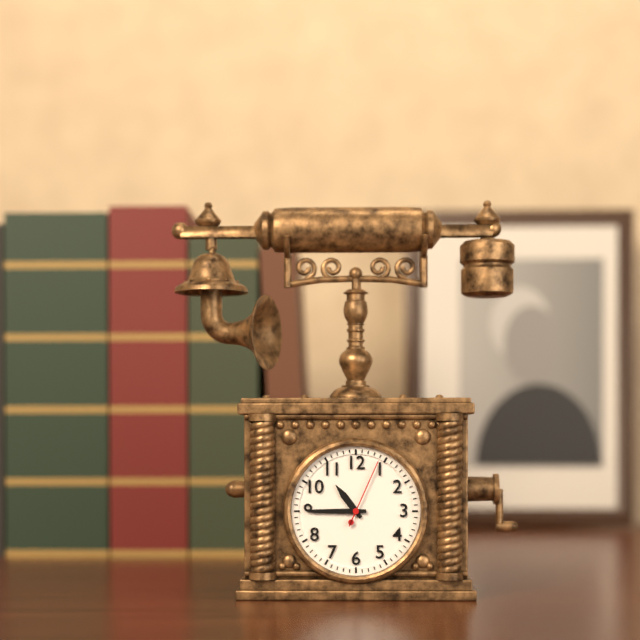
10:45:04
